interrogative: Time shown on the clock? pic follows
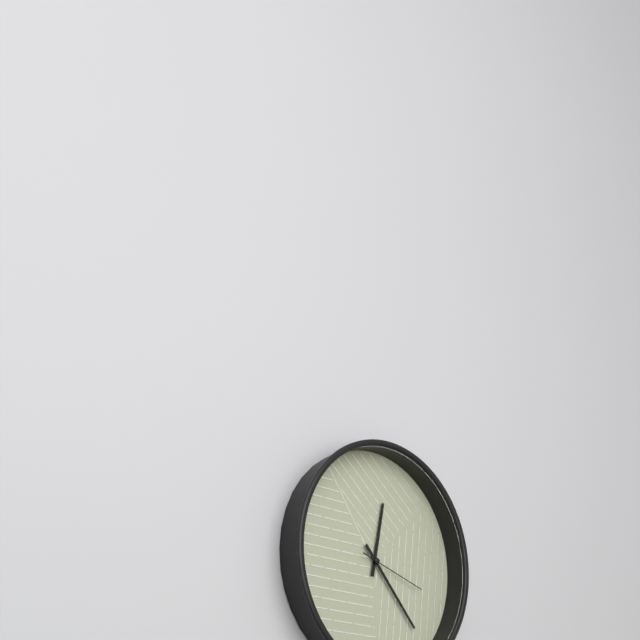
12:23:18
